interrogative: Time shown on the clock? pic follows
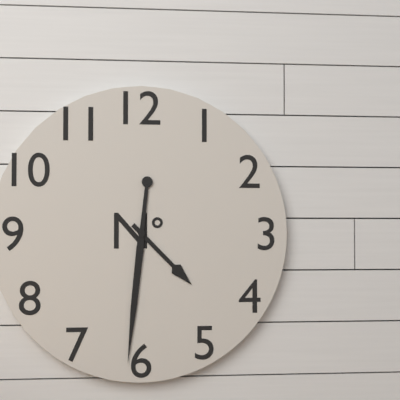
4:31
